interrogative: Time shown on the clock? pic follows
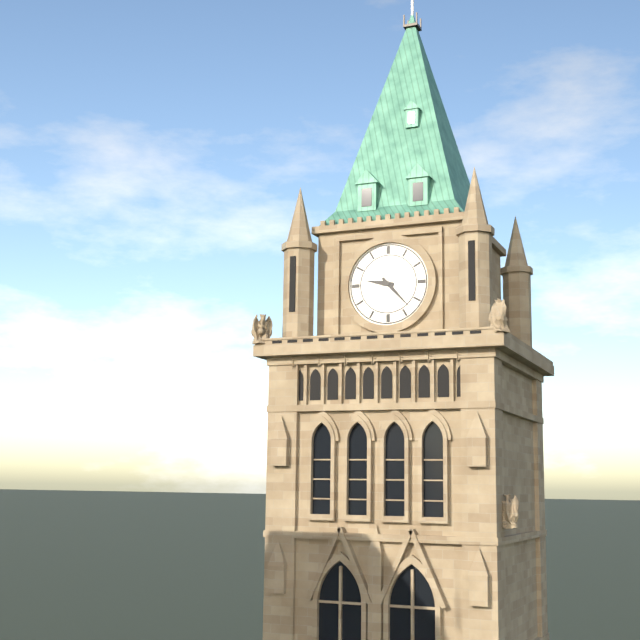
9:23
